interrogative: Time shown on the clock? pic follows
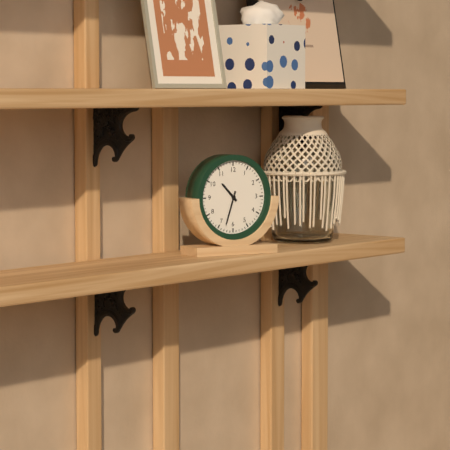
10:33
